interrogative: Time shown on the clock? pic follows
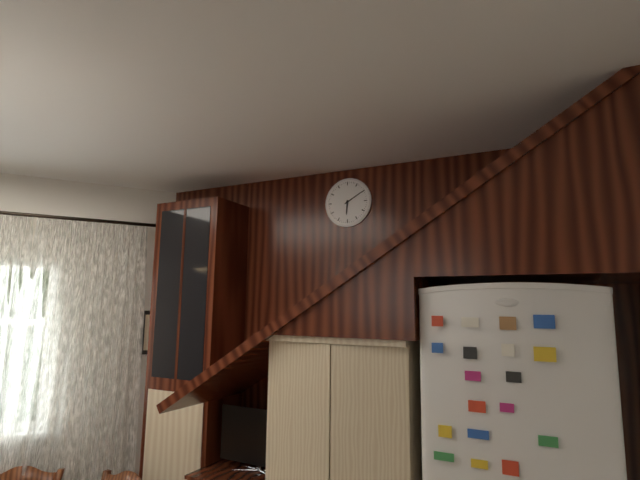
6:10
